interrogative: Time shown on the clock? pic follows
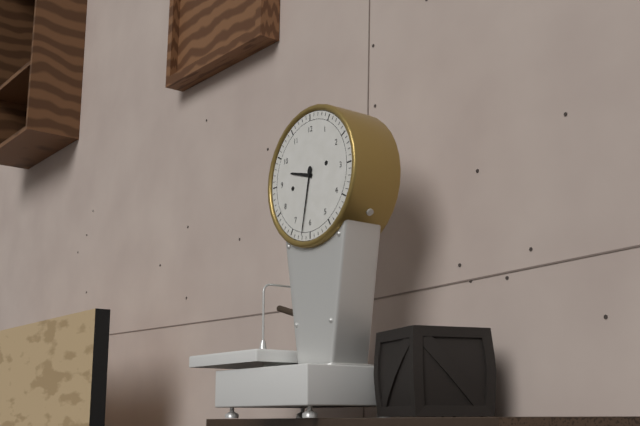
9:32
